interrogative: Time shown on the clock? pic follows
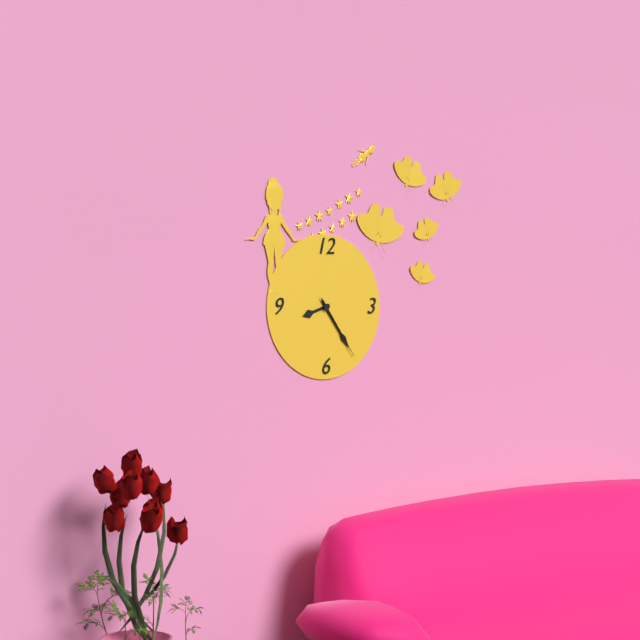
8:24:24
